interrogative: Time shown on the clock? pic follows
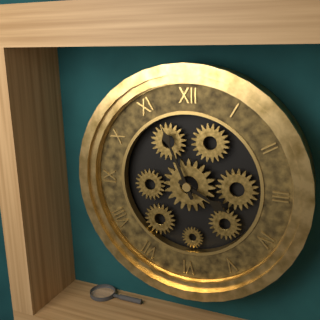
3:56
